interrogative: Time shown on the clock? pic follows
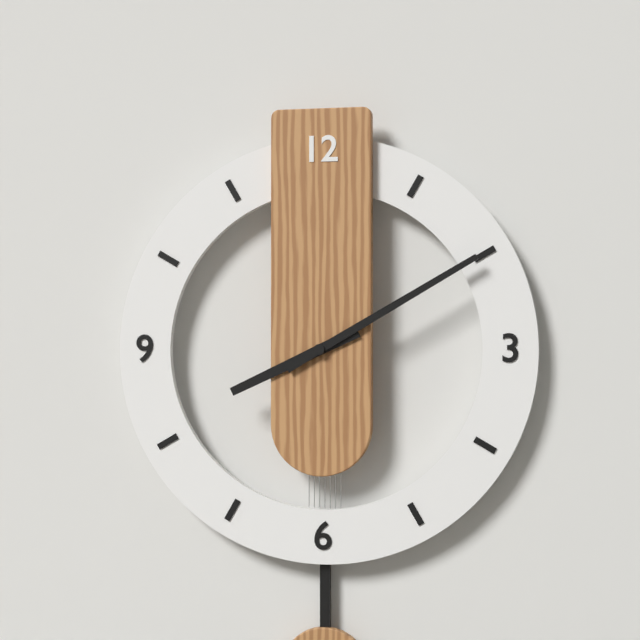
8:10
